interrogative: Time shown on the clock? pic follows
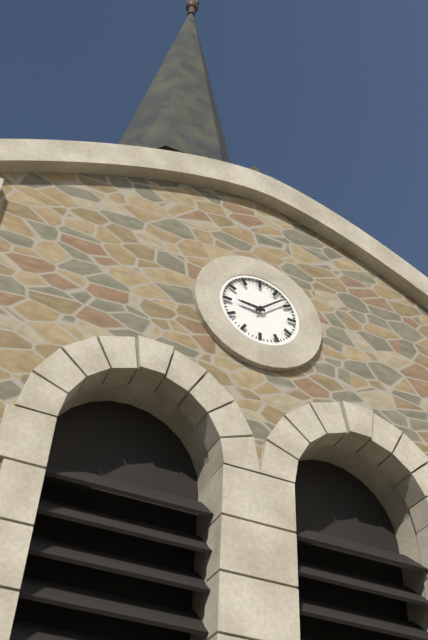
9:08
